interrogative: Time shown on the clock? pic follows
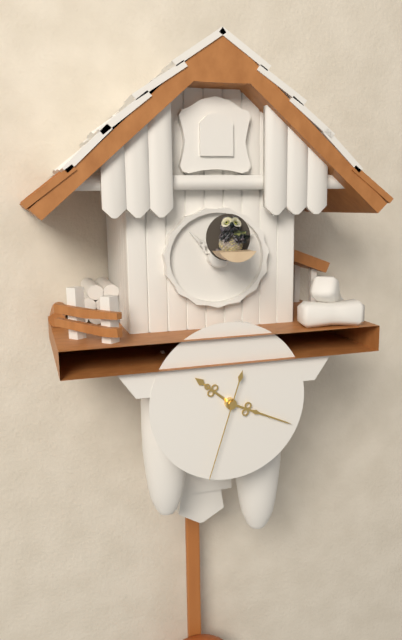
10:19:33
